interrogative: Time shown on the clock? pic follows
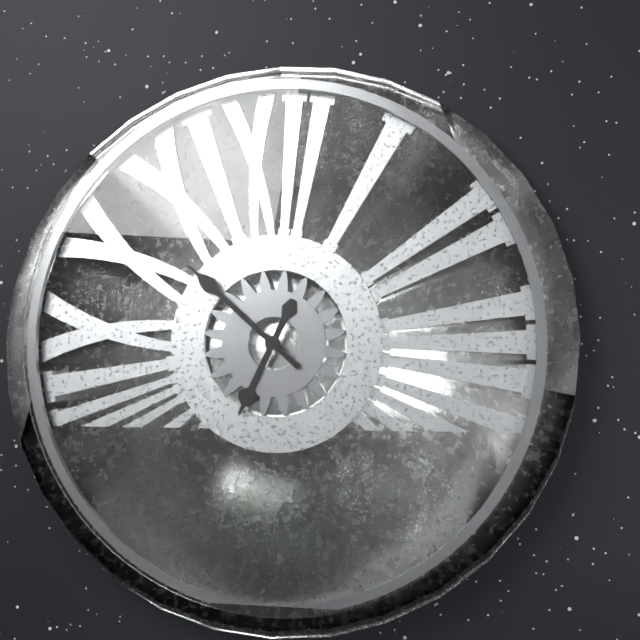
6:52
